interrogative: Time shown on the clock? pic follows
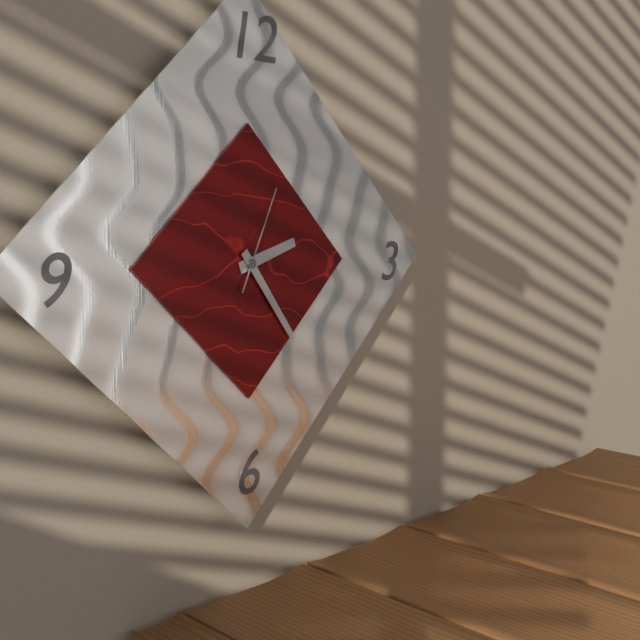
2:24:04
